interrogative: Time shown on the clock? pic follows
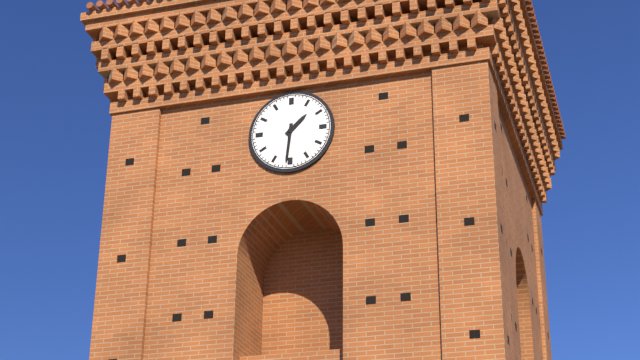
1:31
